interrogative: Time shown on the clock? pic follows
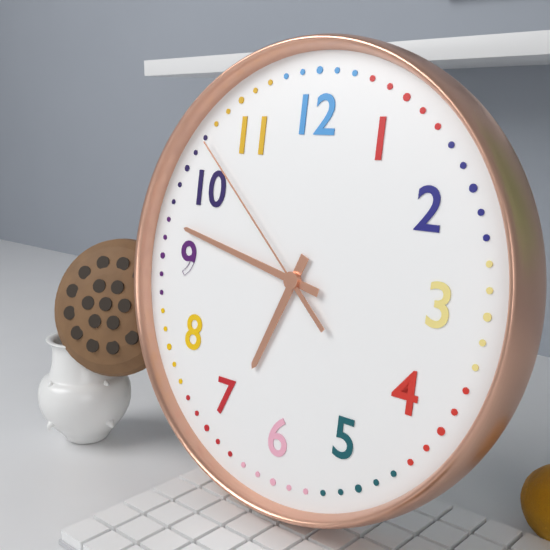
6:47:52
